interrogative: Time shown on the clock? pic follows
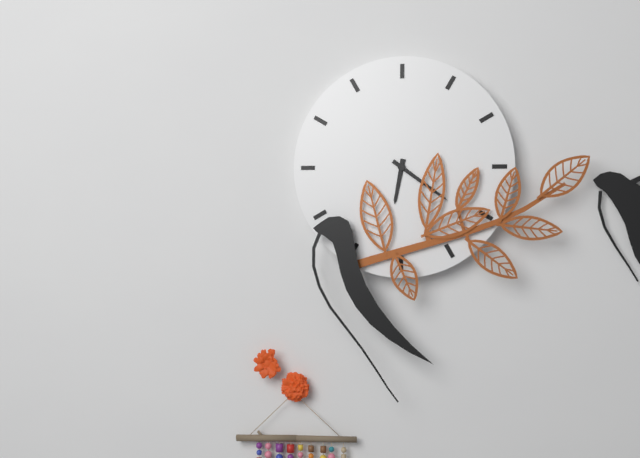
6:21
